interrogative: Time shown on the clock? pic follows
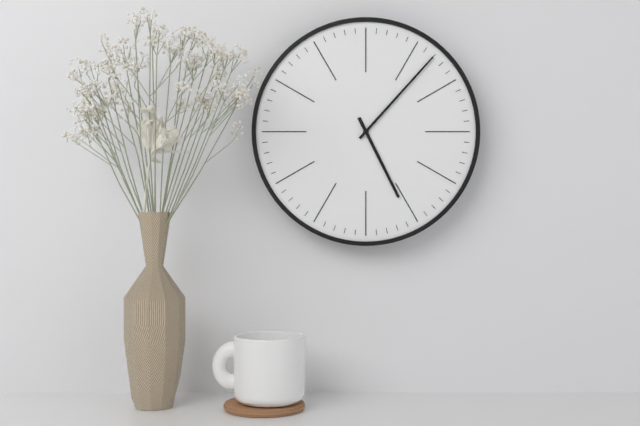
5:07
